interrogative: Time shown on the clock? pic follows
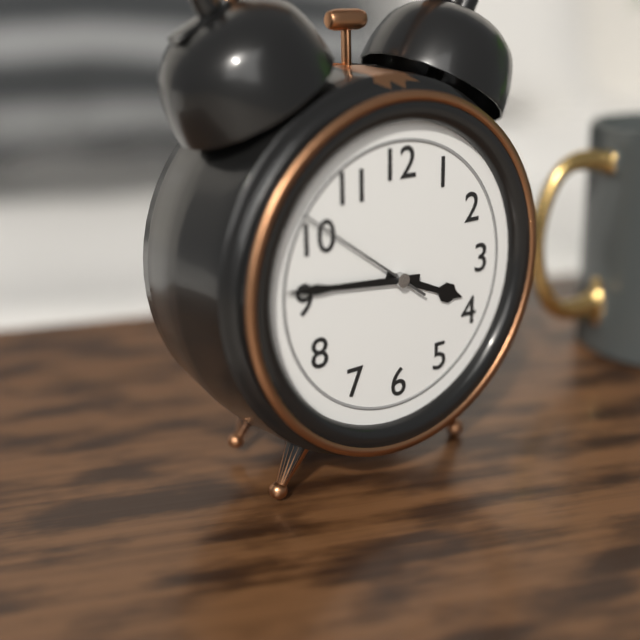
3:46:51
